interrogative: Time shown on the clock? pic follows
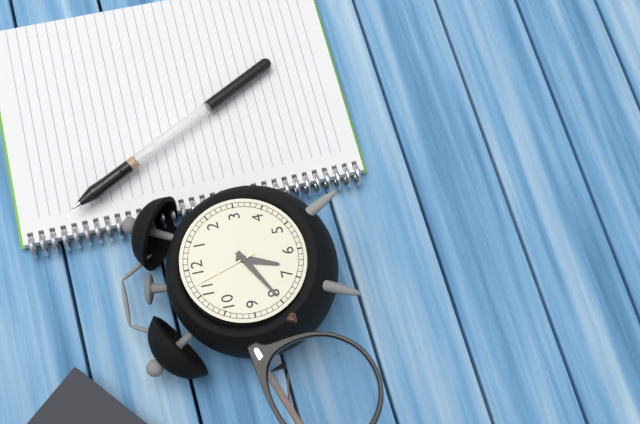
6:40:57
